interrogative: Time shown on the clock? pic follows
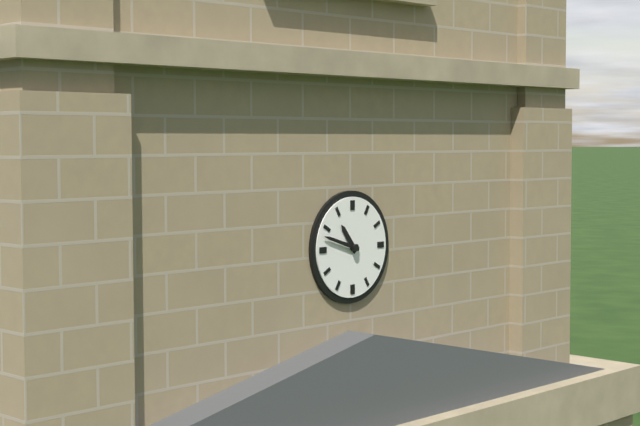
10:48
